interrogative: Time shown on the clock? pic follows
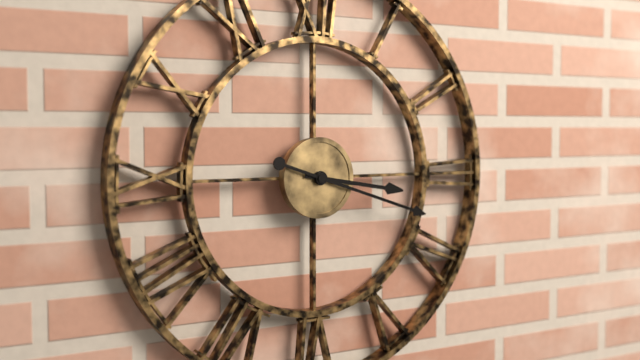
3:18
